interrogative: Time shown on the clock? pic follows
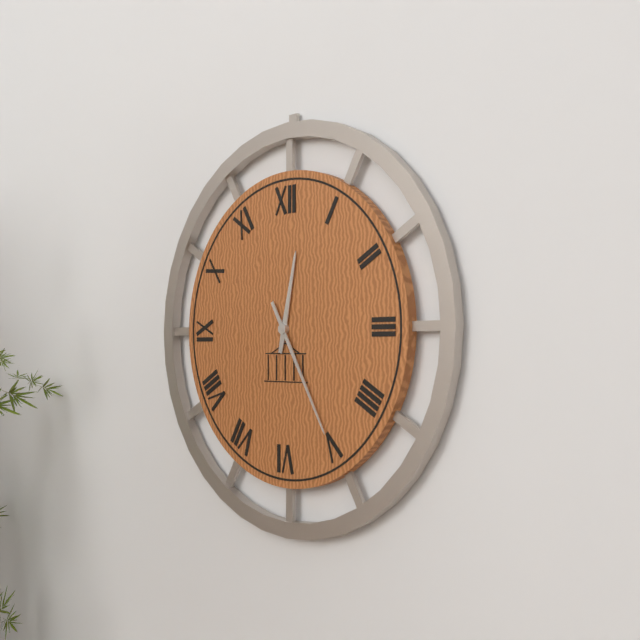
12:25
